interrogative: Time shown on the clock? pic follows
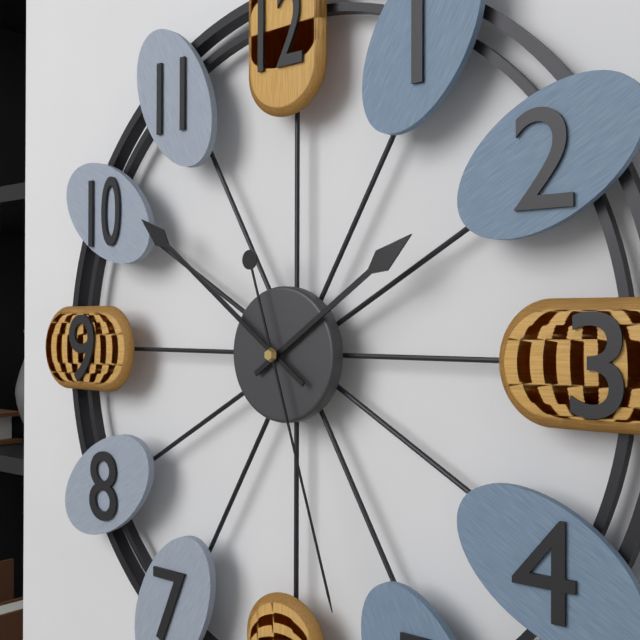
1:51:27
